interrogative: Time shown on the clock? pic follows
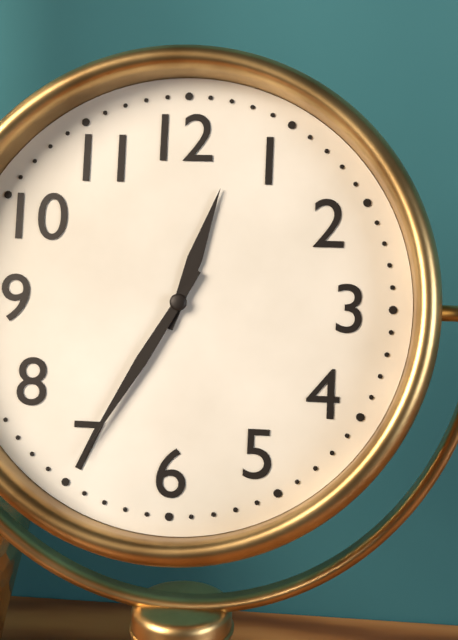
12:35
